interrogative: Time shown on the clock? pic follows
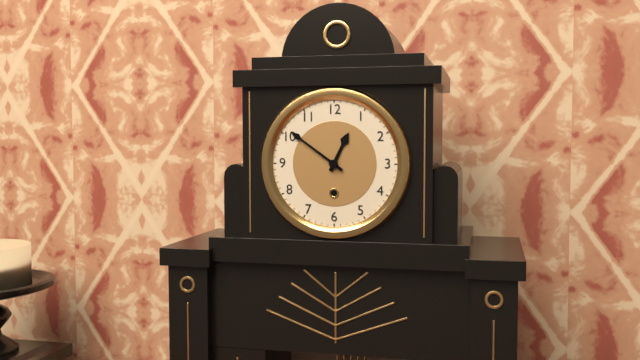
12:51
